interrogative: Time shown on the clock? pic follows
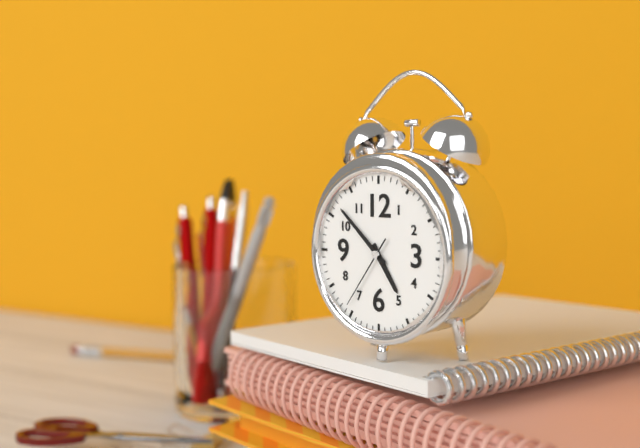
4:52:36
